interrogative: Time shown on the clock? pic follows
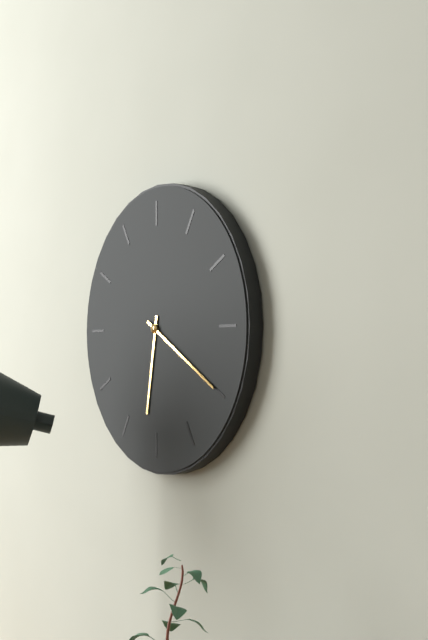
6:20
